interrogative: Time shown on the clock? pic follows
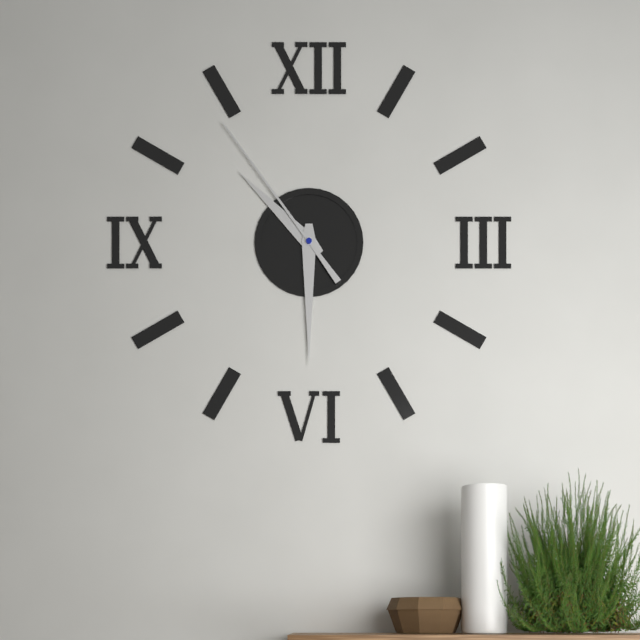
10:30:54
